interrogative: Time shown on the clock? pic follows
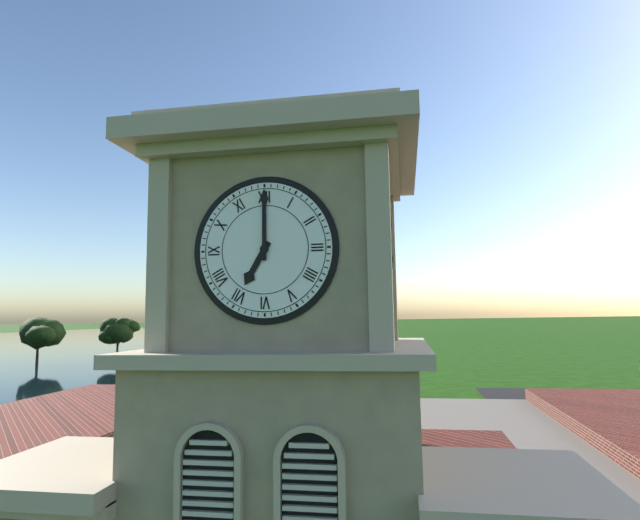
7:00
